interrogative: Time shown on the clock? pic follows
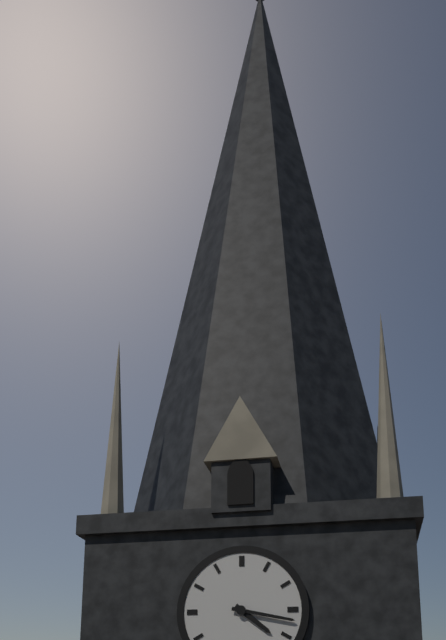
4:17
